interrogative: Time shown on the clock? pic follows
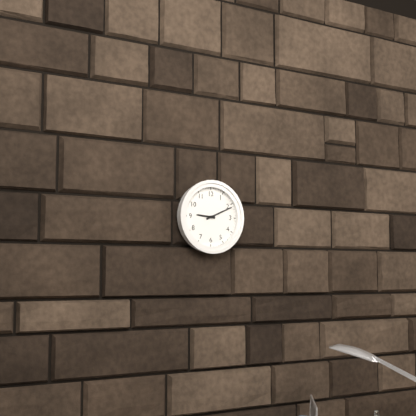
9:11
